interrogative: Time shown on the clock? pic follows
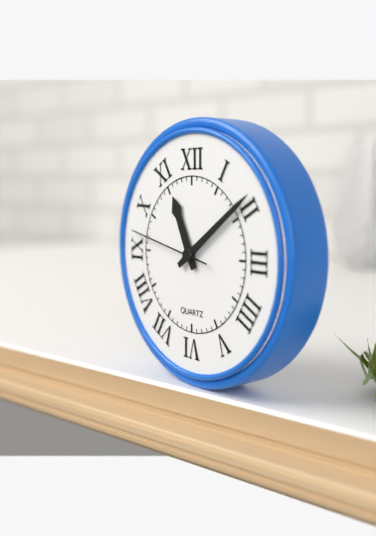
11:09:47
